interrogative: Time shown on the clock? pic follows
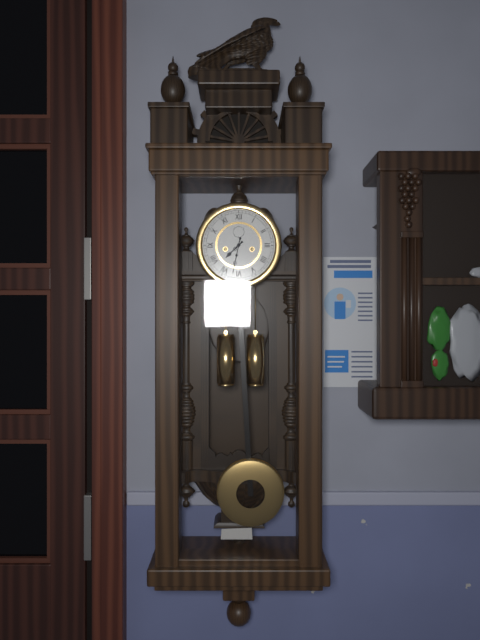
7:32
